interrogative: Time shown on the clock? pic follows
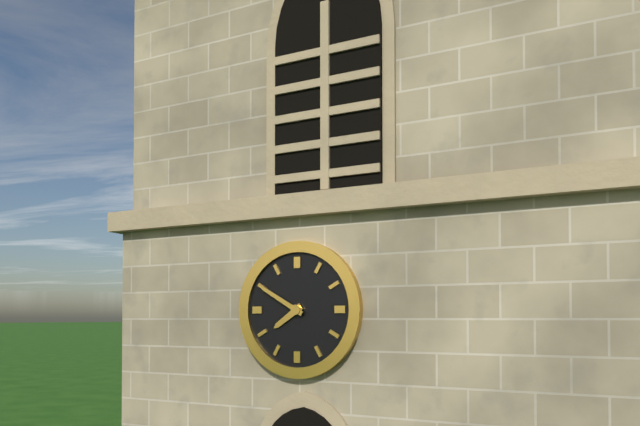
7:50
